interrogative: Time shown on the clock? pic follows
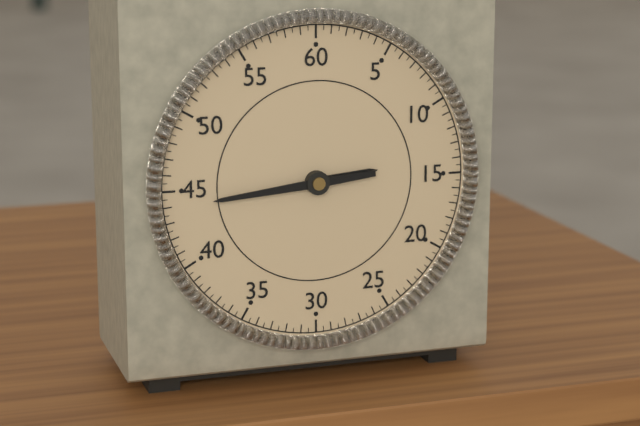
2:44
